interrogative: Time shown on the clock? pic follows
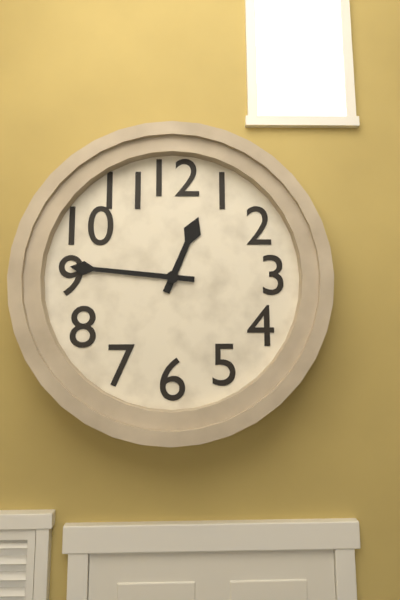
12:46
